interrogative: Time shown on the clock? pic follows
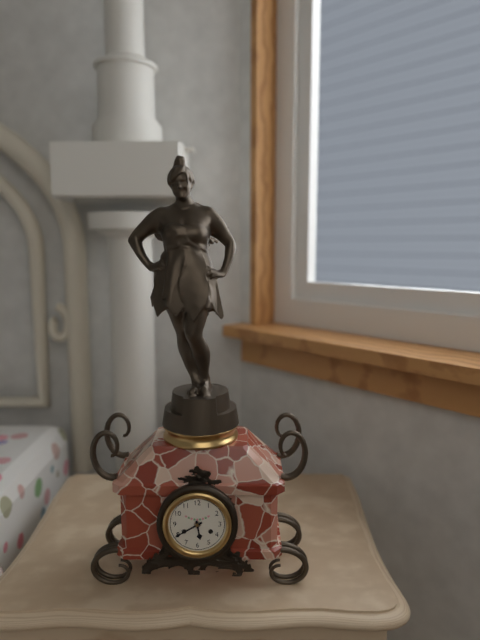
5:40
